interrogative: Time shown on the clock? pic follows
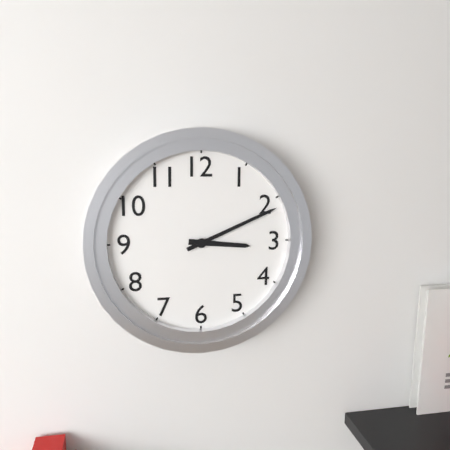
3:11
